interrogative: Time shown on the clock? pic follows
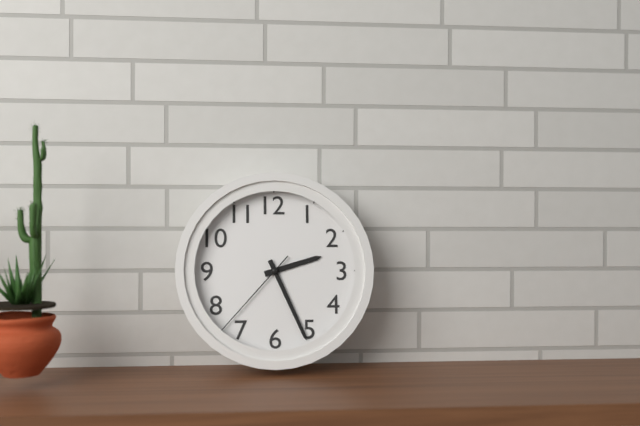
2:26:37
